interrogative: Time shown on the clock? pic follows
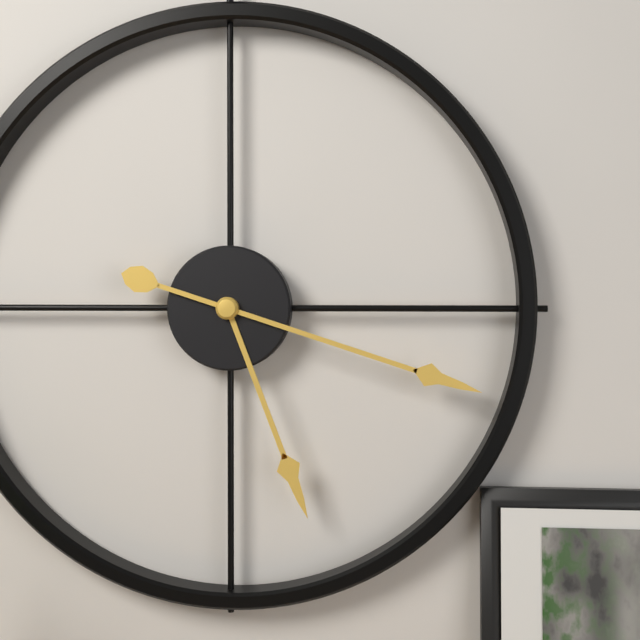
5:18
